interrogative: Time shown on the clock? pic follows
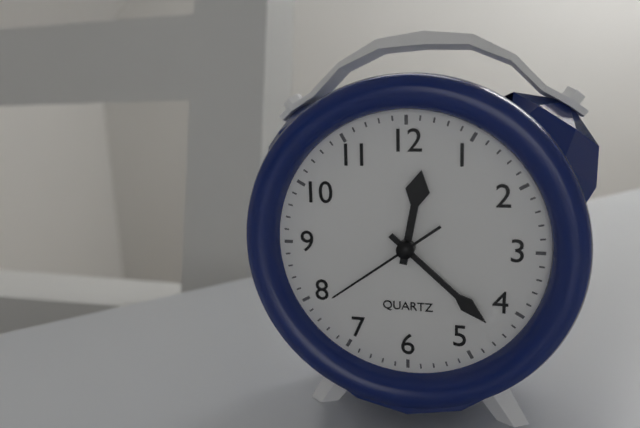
12:22:39
